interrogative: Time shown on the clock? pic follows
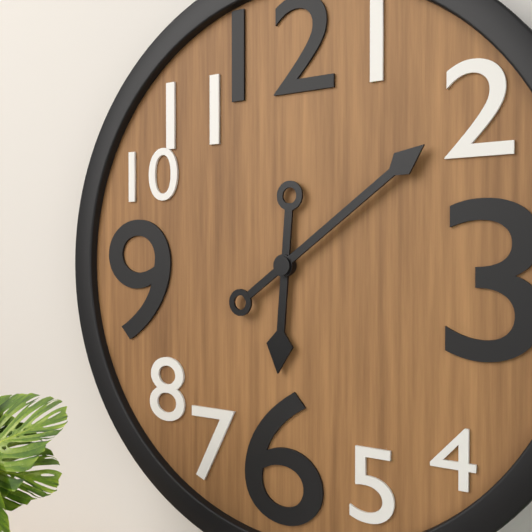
6:09
